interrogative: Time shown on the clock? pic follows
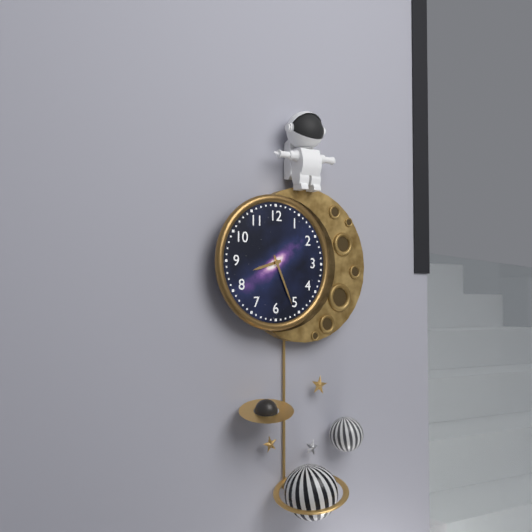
8:26
